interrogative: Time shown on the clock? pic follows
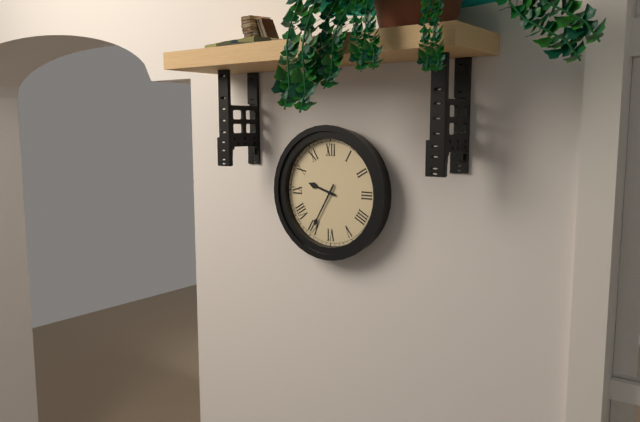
9:35
